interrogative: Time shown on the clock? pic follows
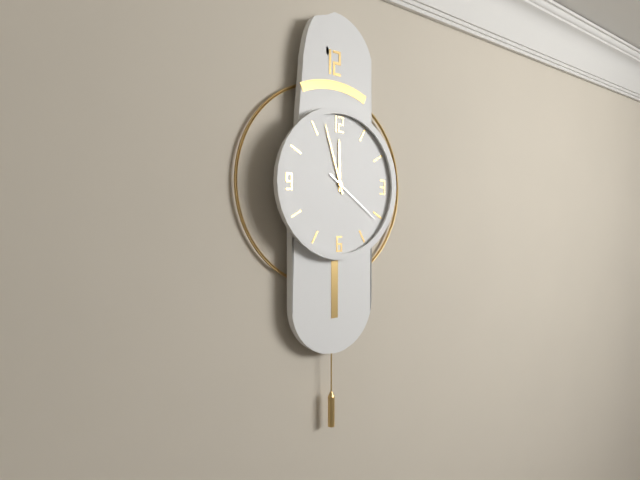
11:57:21
